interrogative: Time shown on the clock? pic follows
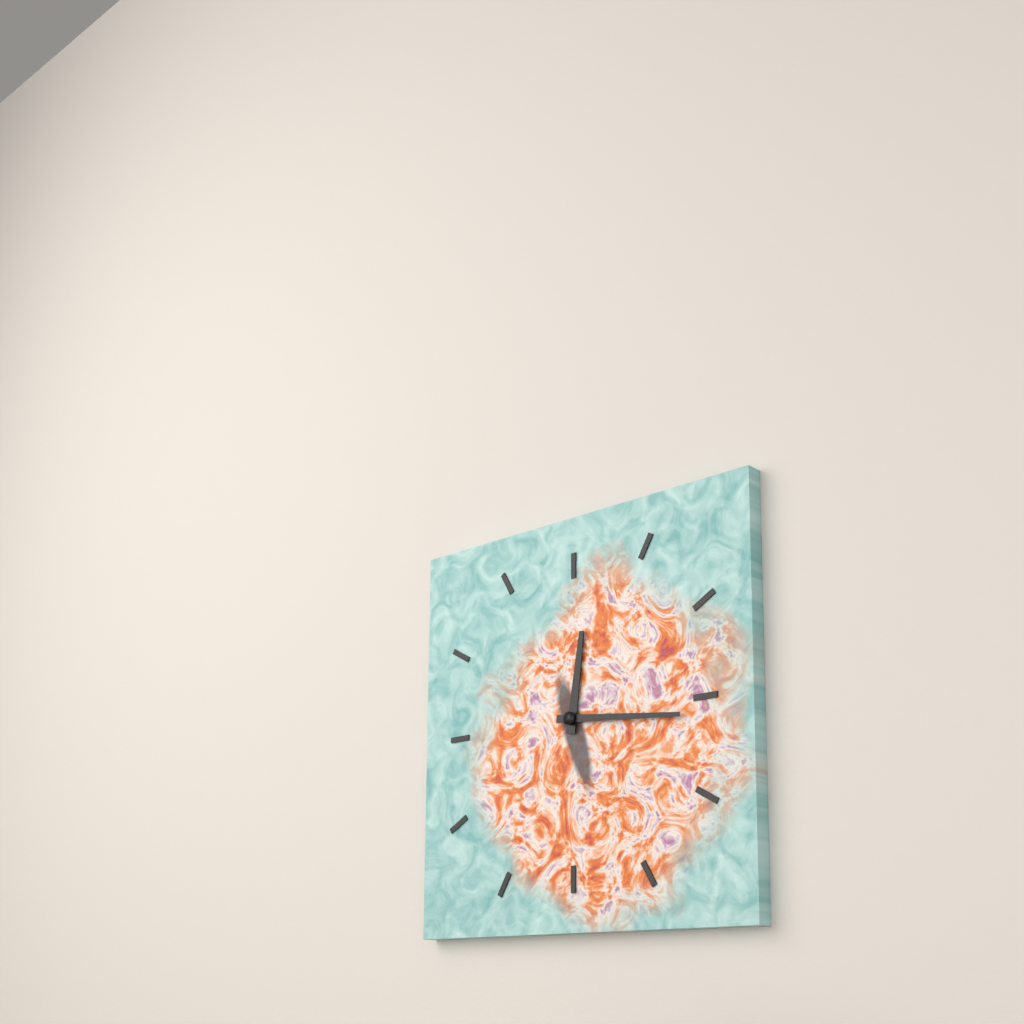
12:16
